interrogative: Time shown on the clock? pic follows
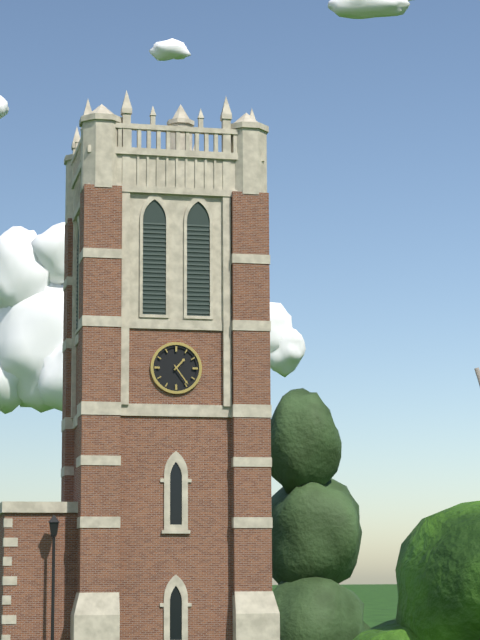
1:24
